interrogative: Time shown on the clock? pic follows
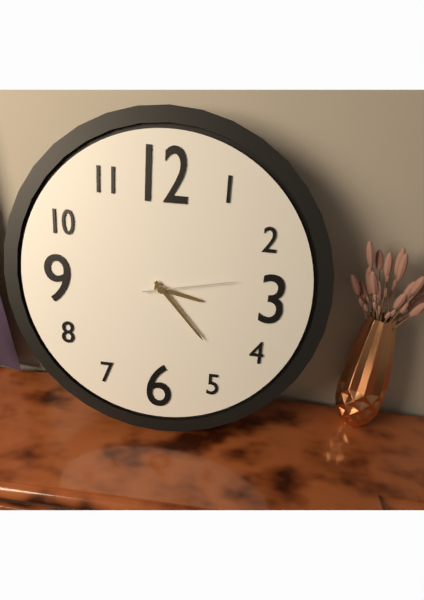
3:23:13
